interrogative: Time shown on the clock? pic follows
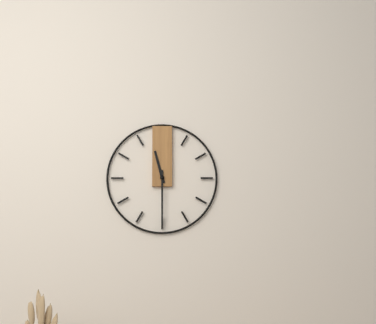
11:30
